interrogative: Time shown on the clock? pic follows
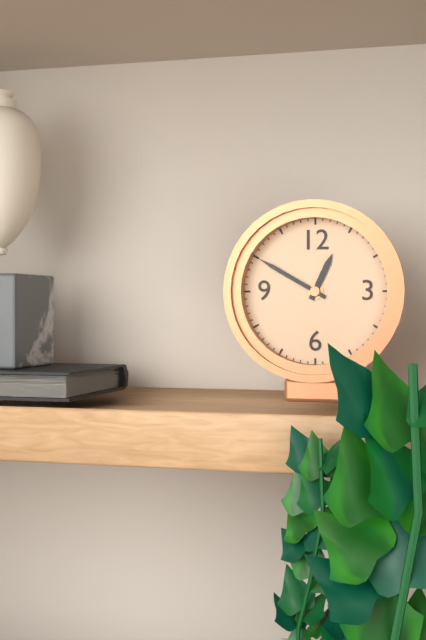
12:50
